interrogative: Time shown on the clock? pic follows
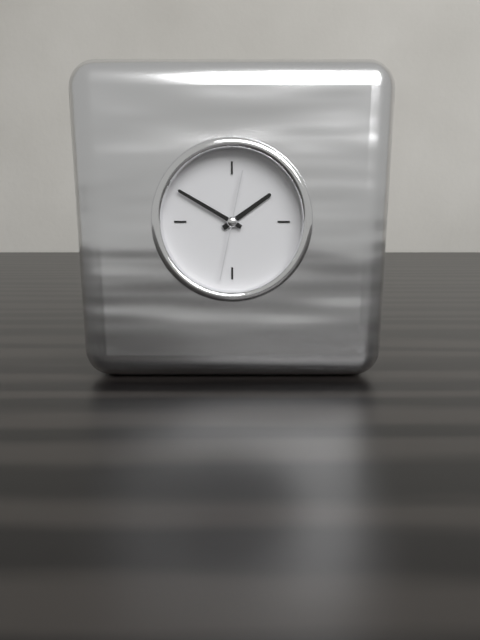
1:50:32
